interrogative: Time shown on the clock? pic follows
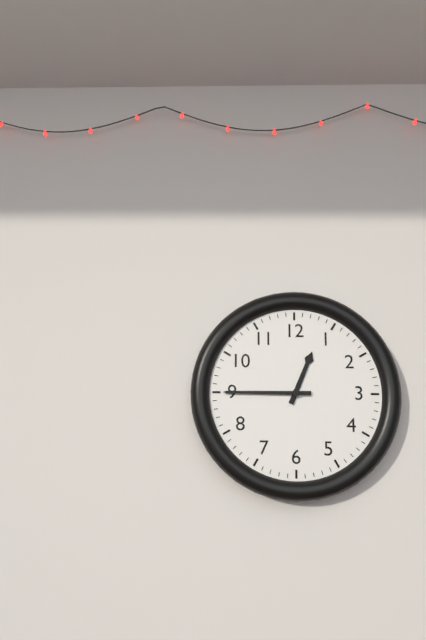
12:45
